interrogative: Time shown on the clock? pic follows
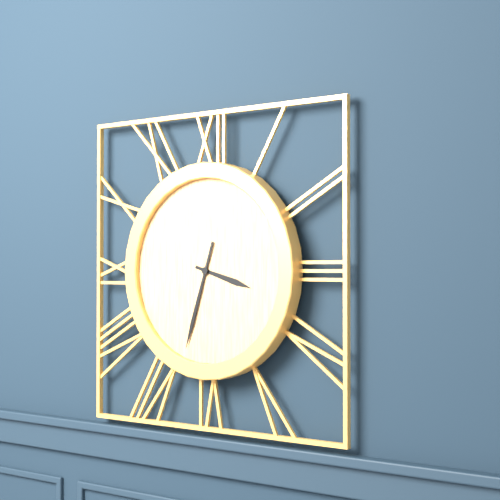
3:33
